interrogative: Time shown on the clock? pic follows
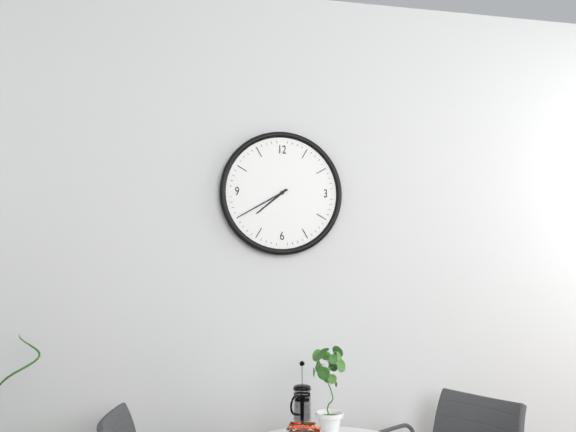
7:40
